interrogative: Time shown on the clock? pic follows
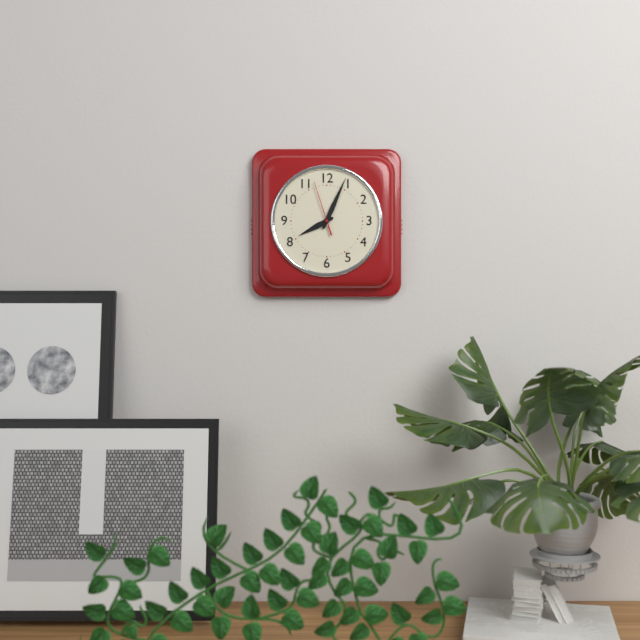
8:04:57
